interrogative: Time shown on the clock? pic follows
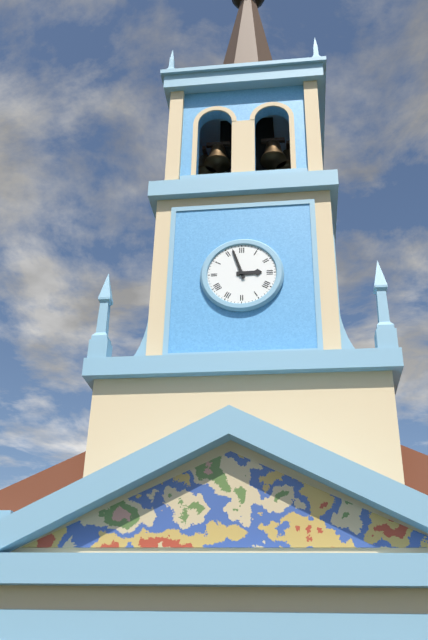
2:57
